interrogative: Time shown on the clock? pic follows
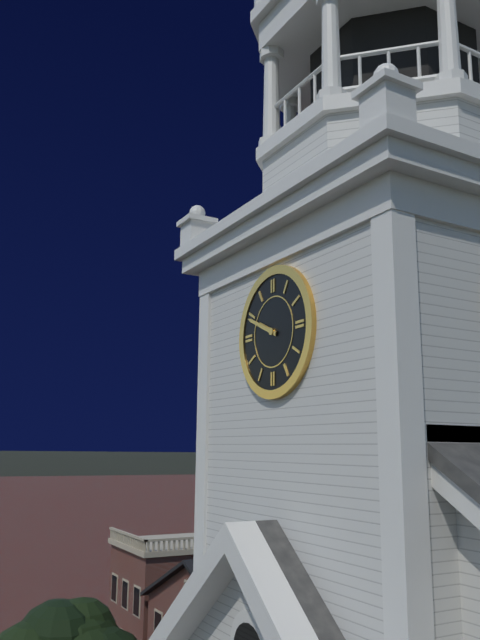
9:49
